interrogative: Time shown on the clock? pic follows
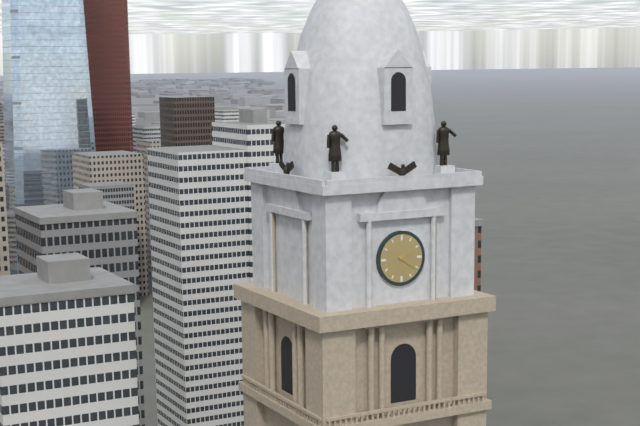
2:21
